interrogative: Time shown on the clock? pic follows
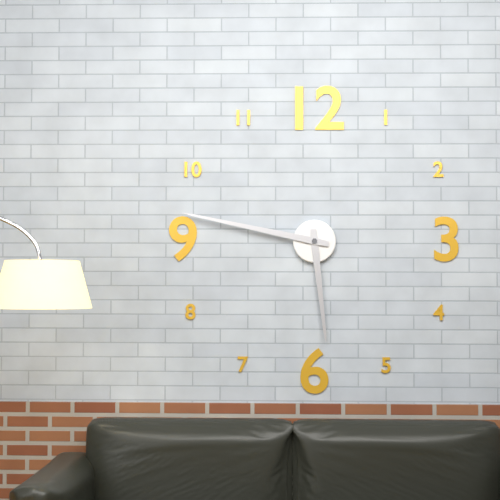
5:47
